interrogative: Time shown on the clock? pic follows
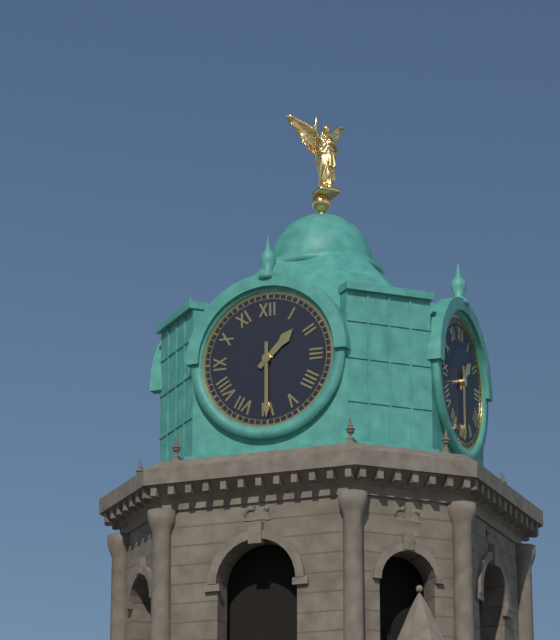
1:30
